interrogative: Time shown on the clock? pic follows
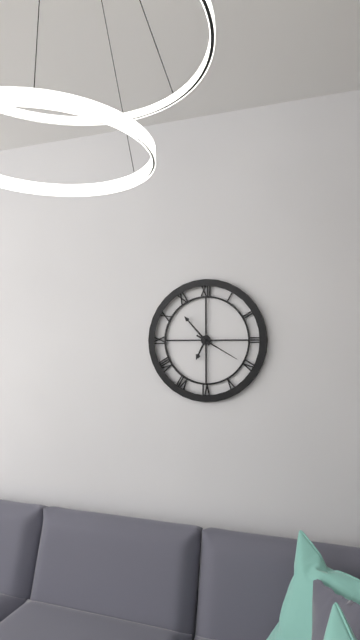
6:53
